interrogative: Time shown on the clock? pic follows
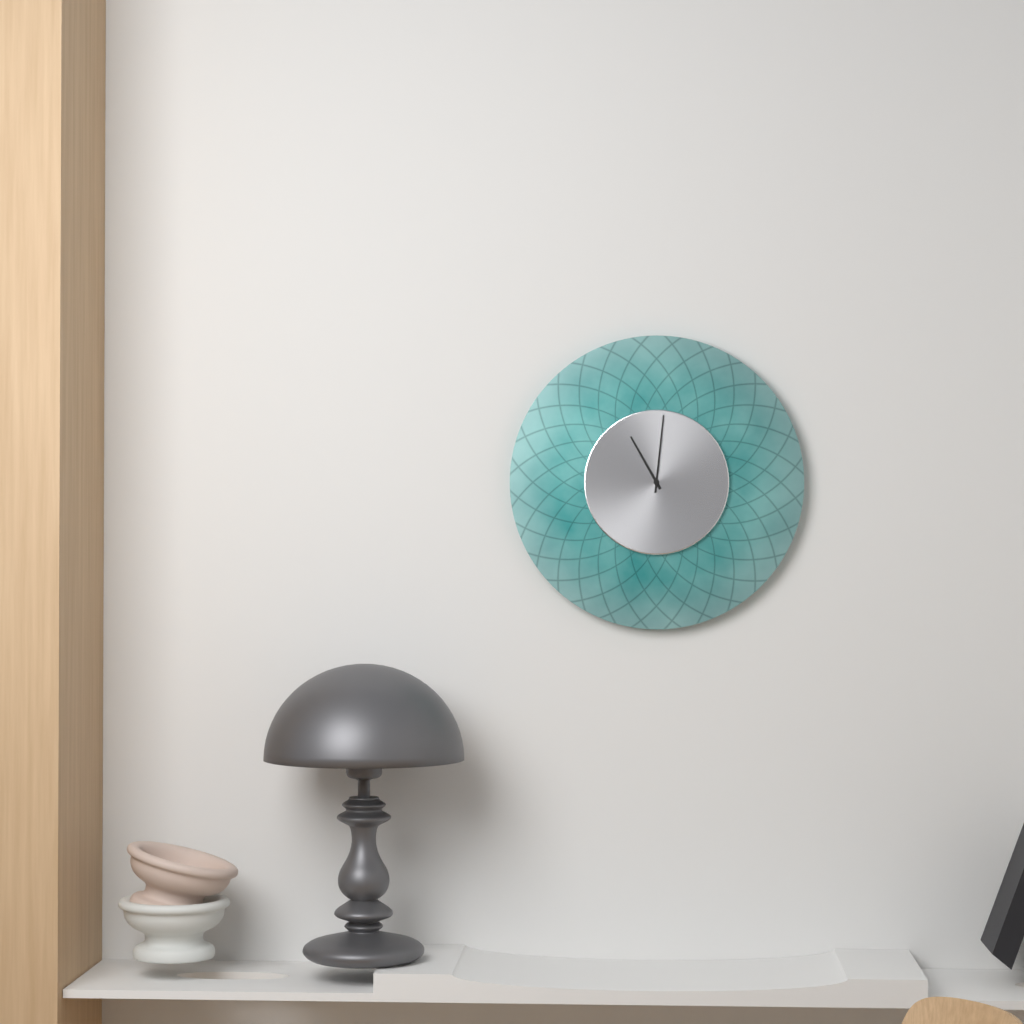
11:01
